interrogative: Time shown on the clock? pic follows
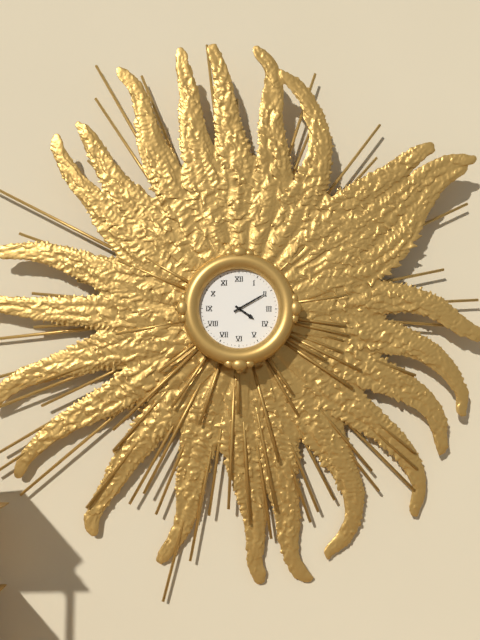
4:10
